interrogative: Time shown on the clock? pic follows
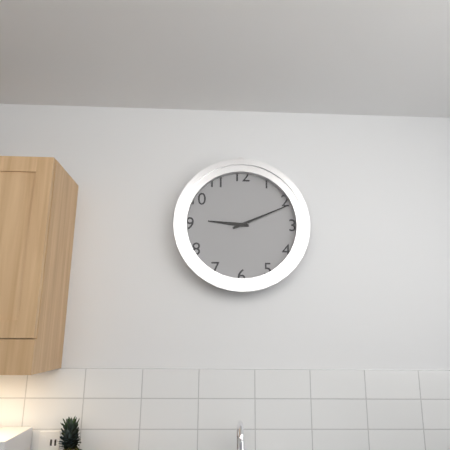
9:11
